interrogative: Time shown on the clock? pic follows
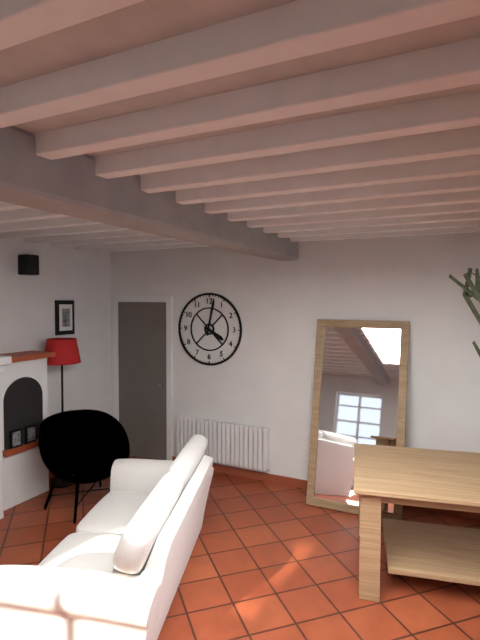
4:02
